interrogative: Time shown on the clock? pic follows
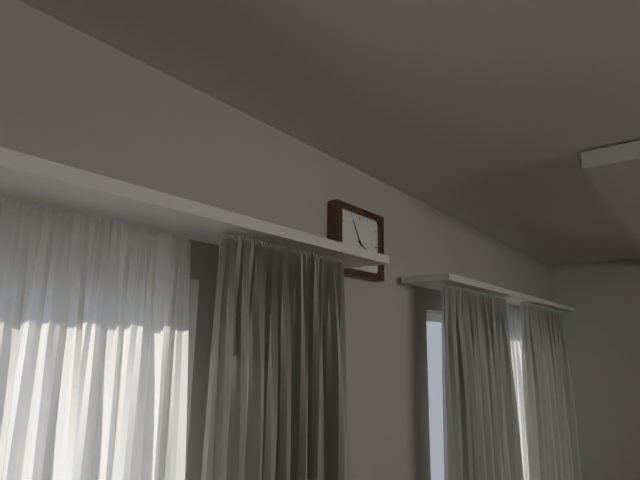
3:55
